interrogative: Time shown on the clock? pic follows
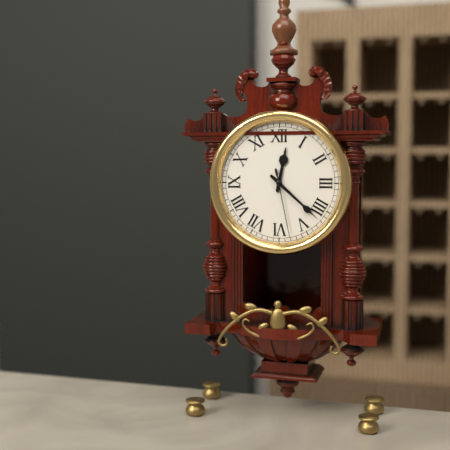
12:22:28
